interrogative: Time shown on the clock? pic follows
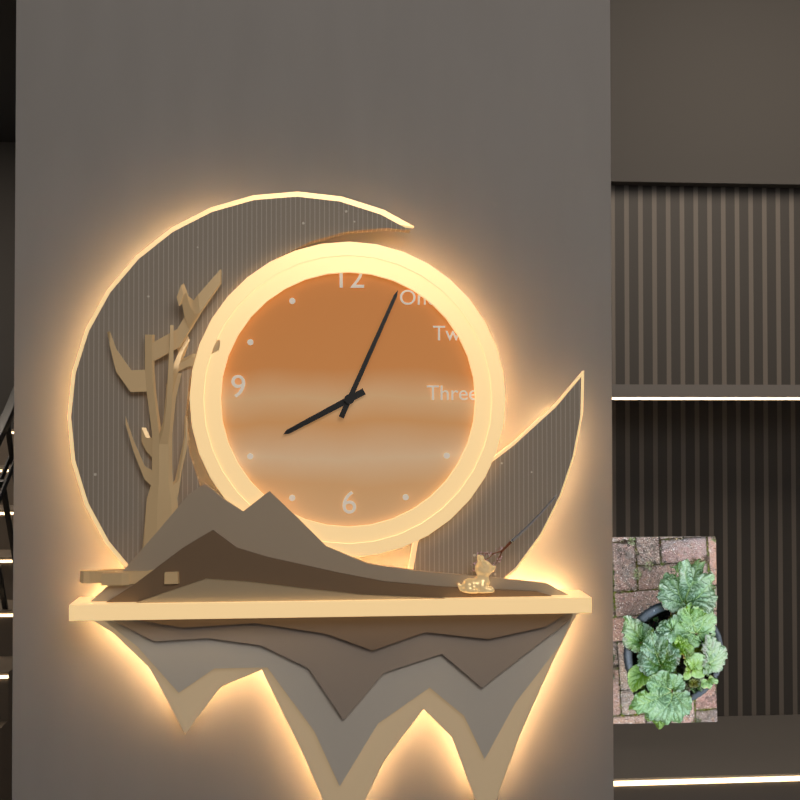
8:04
